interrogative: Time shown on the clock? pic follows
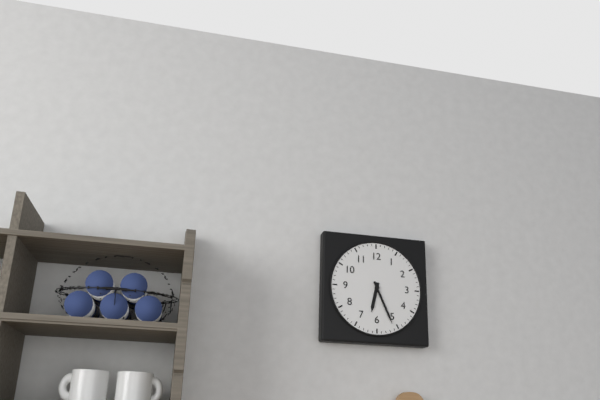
6:26
